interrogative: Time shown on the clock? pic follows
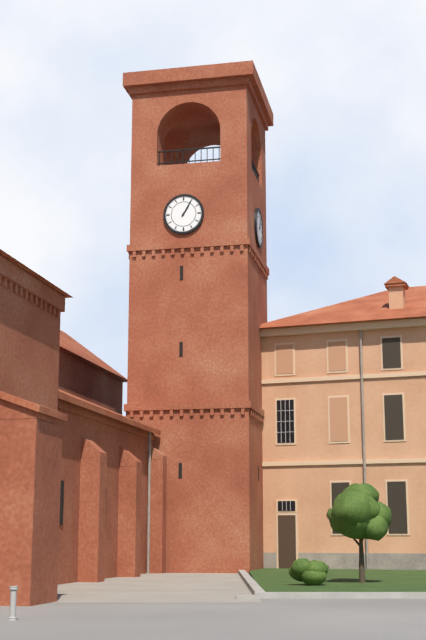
1:05
